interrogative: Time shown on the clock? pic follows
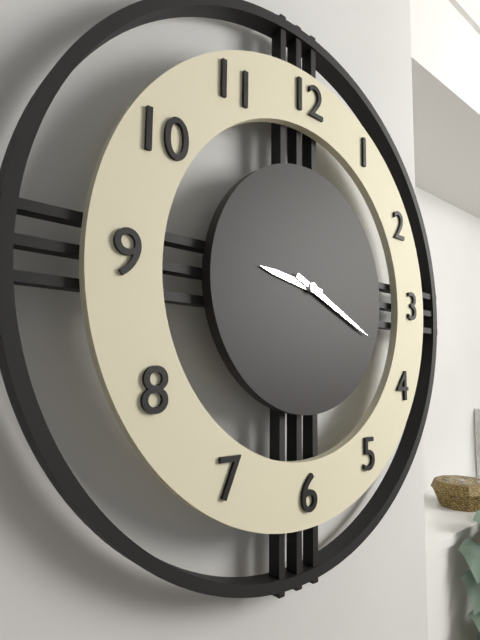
9:19
